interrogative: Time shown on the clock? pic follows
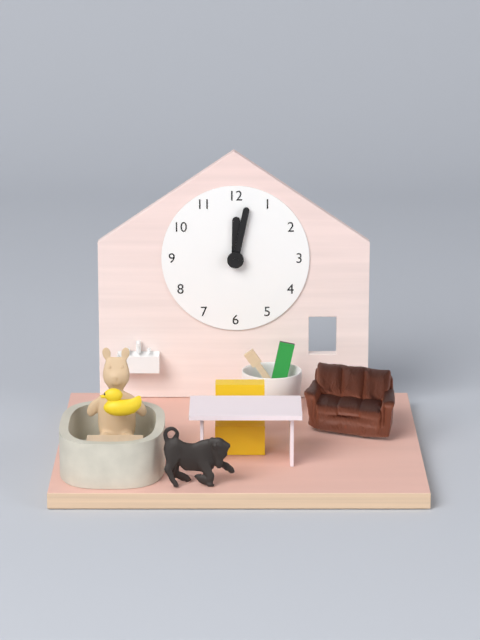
12:02
